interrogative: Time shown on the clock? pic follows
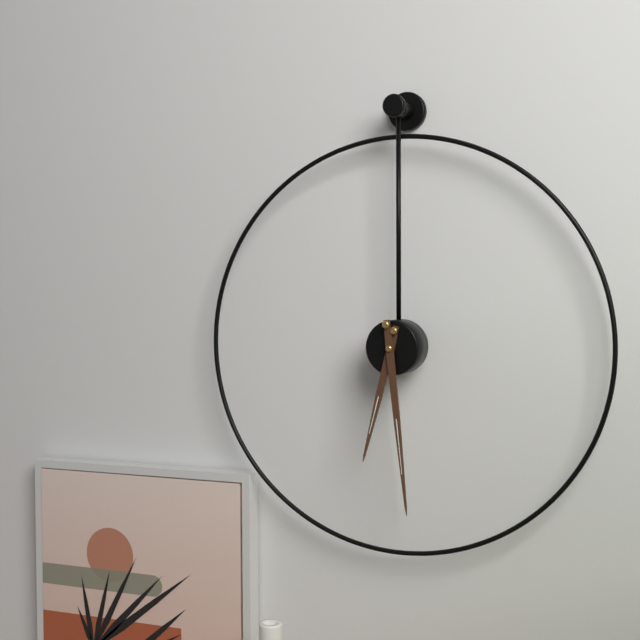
6:29
